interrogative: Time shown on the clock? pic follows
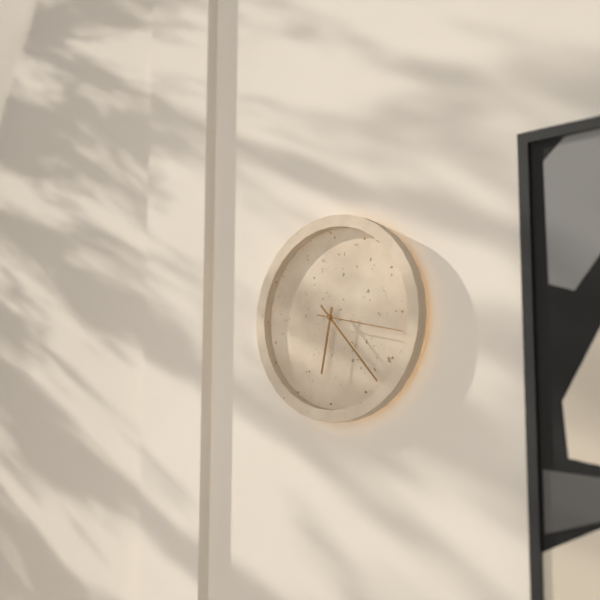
6:23:17
